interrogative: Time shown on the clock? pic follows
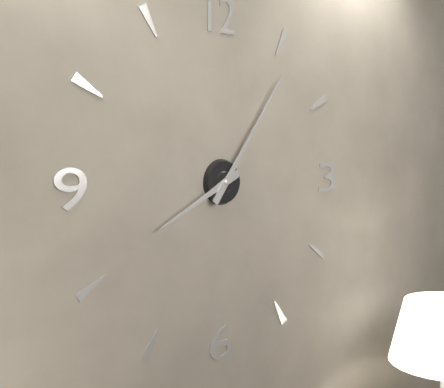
8:06
